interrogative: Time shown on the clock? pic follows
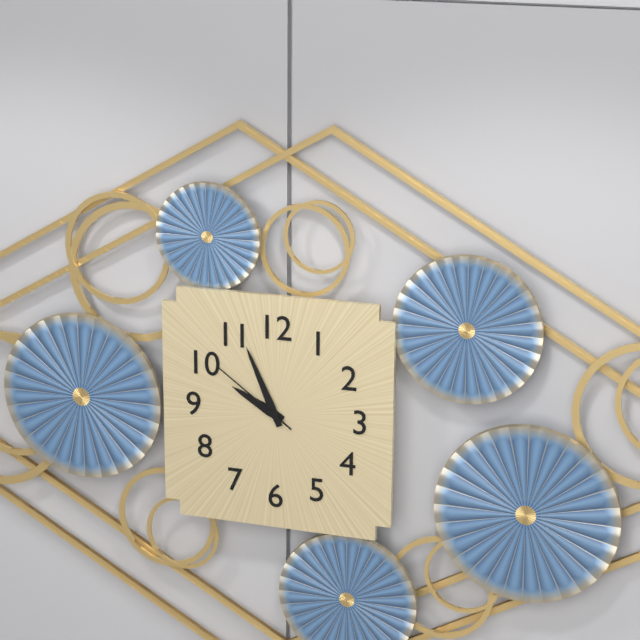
9:56:51
